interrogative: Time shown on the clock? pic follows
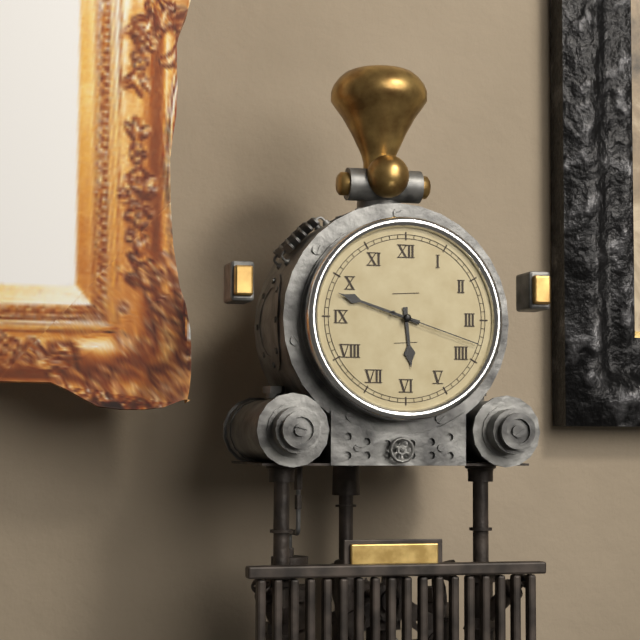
5:48:18
